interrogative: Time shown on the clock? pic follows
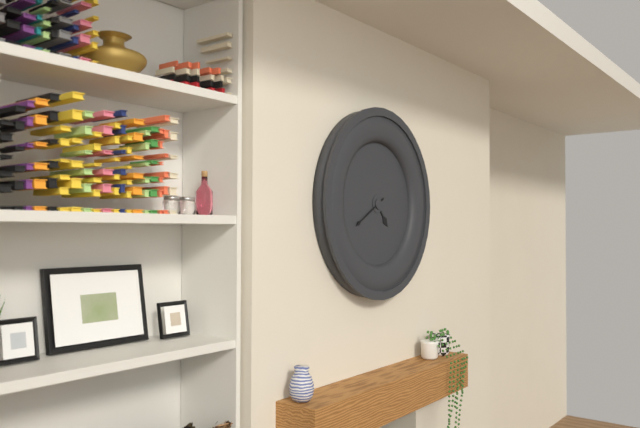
4:40
